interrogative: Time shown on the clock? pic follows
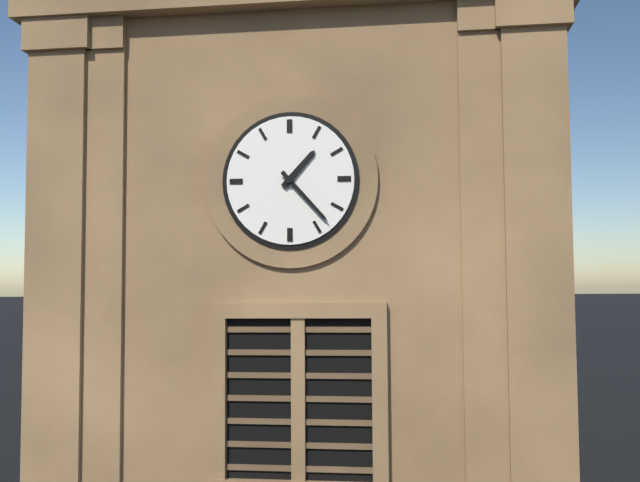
1:23
